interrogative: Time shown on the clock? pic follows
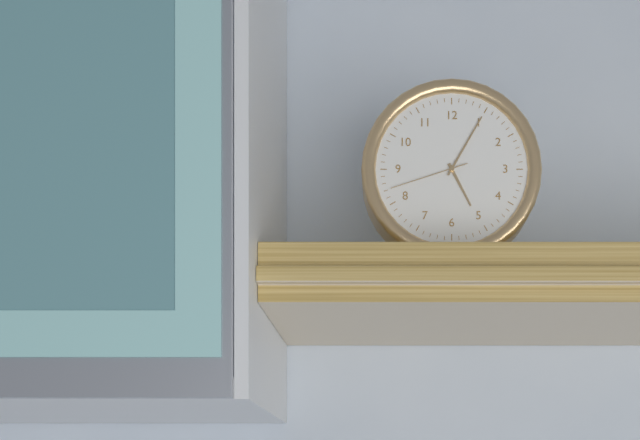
5:05:42
